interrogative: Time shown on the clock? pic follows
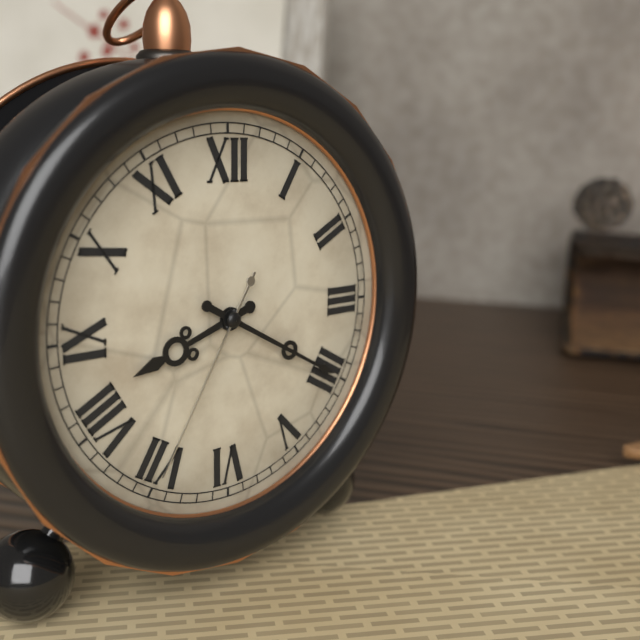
8:20:35
